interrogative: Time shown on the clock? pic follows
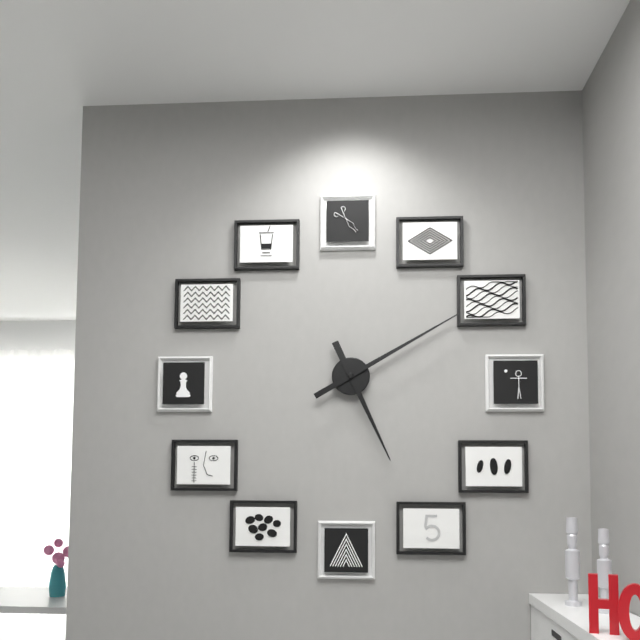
5:10
